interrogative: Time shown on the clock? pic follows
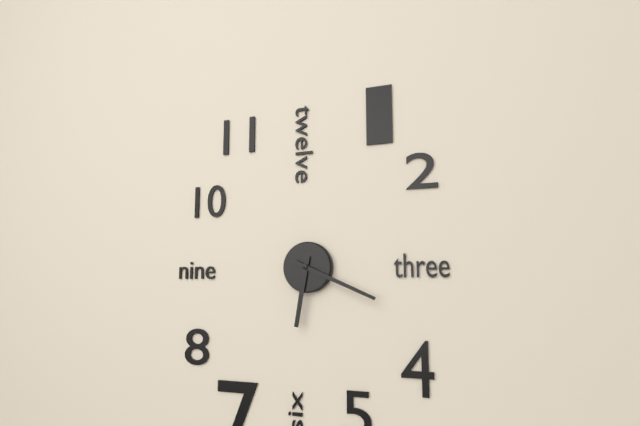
6:19
